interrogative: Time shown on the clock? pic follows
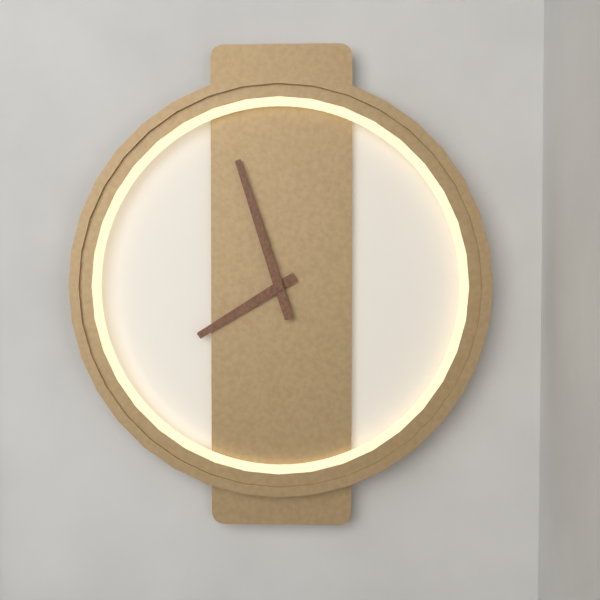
7:57
